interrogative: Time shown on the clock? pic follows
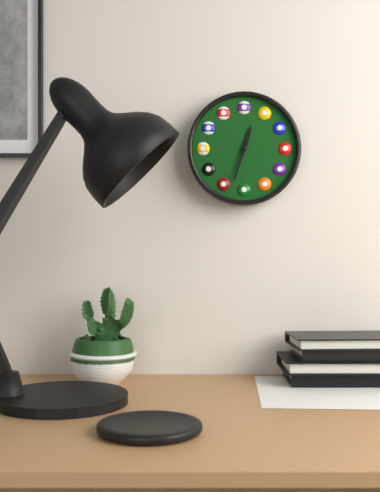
12:33
